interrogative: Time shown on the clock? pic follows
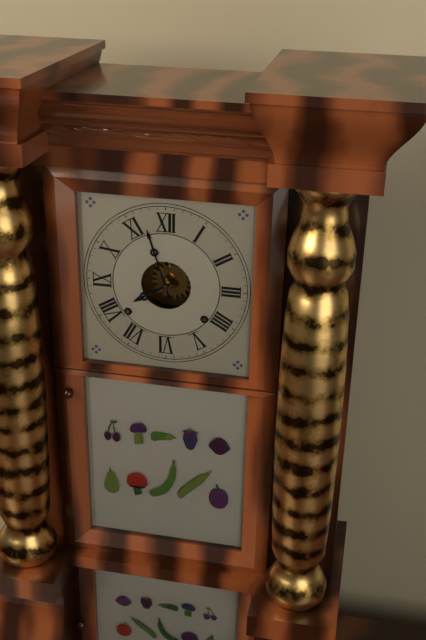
7:57
